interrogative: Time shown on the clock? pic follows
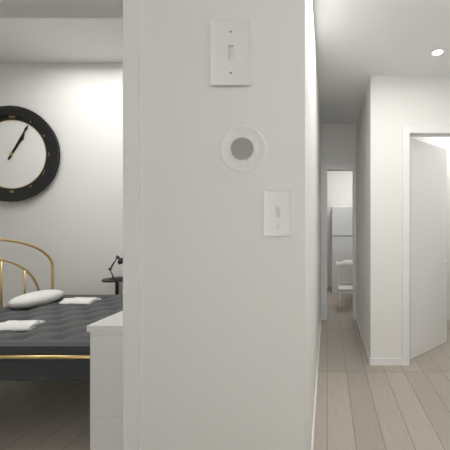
1:05
